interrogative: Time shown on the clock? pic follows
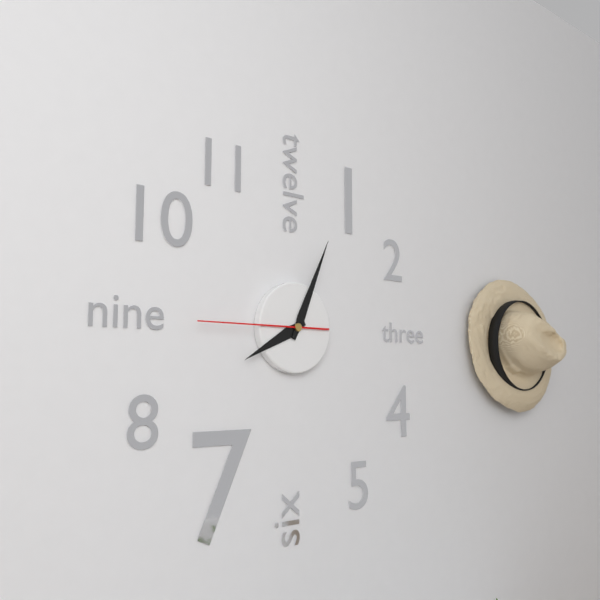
8:04:45
